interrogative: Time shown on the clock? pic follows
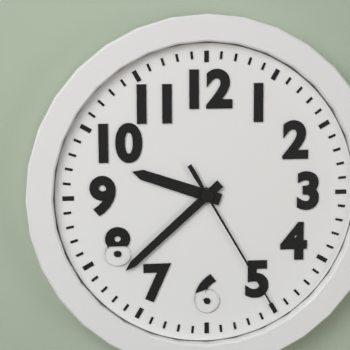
9:38:25
